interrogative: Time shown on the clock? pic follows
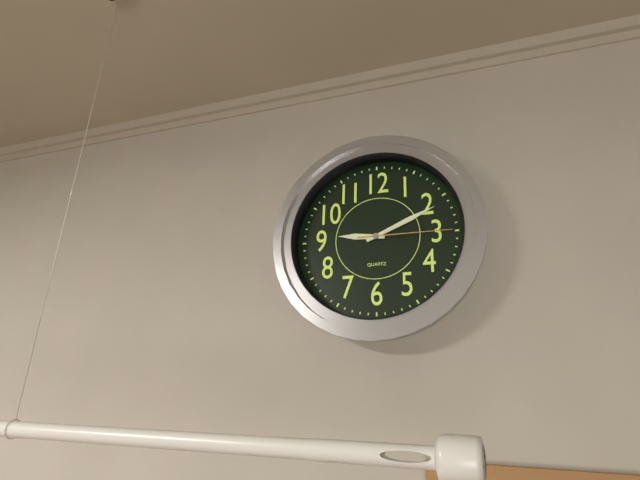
9:11:15
